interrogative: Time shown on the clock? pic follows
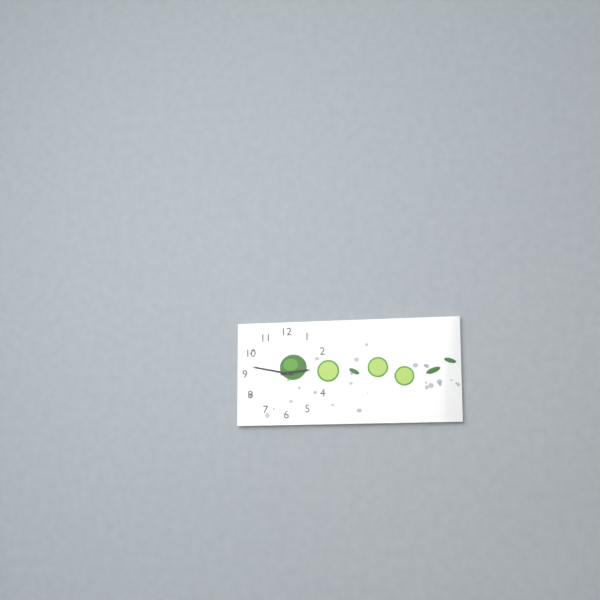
2:47
